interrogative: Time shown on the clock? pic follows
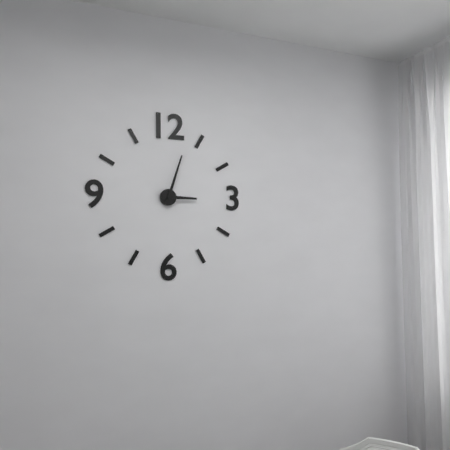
3:03
